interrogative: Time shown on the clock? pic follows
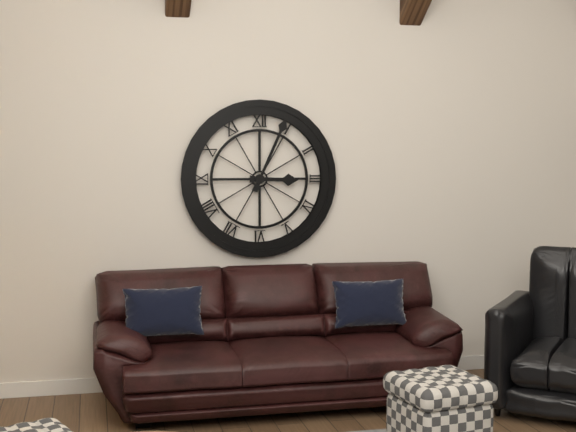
3:04
